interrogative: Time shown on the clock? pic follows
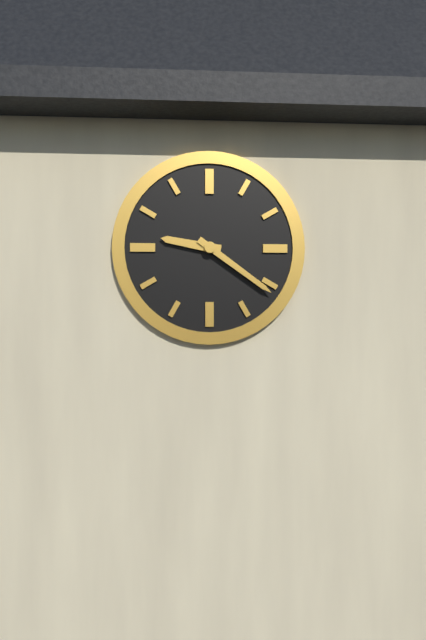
9:21
